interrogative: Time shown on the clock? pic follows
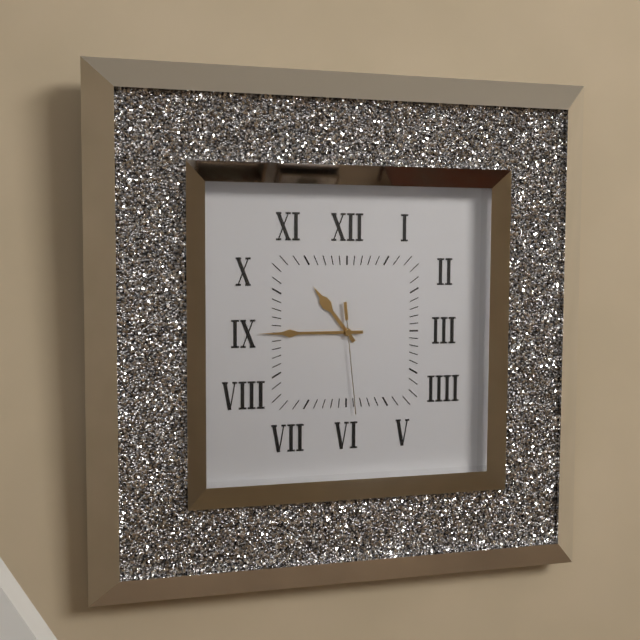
10:45:29
